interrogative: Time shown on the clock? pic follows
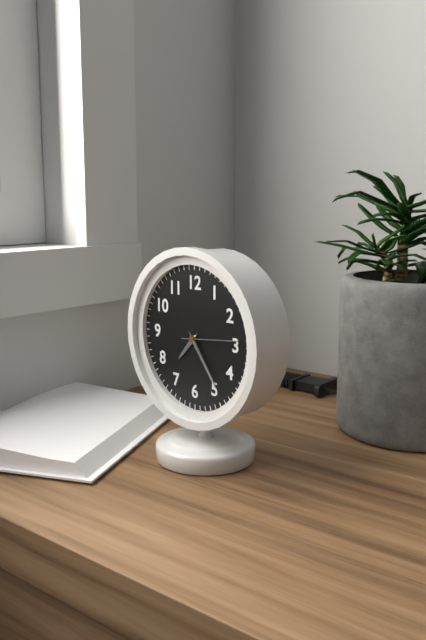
7:24:14
